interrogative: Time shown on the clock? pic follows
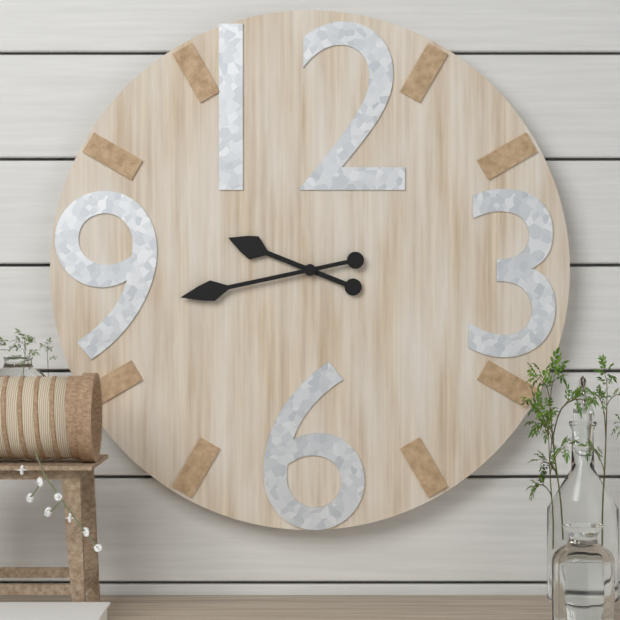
9:43
